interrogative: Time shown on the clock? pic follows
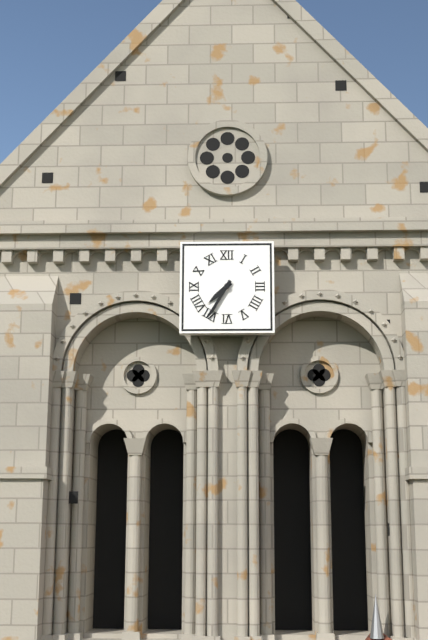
7:35
